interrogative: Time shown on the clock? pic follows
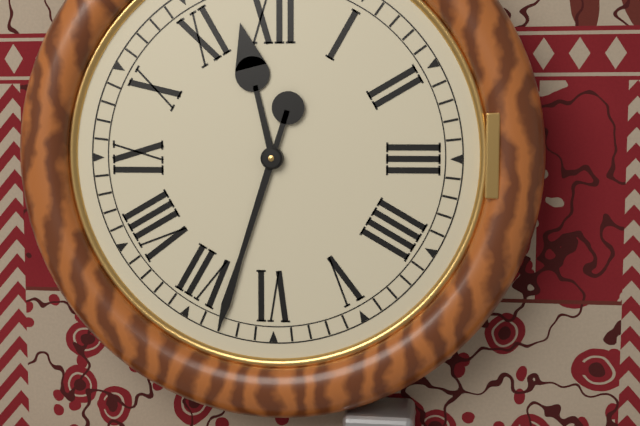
11:33
